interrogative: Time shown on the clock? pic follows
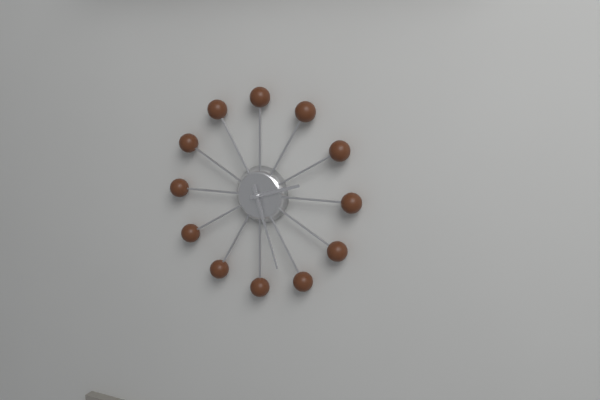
2:27
